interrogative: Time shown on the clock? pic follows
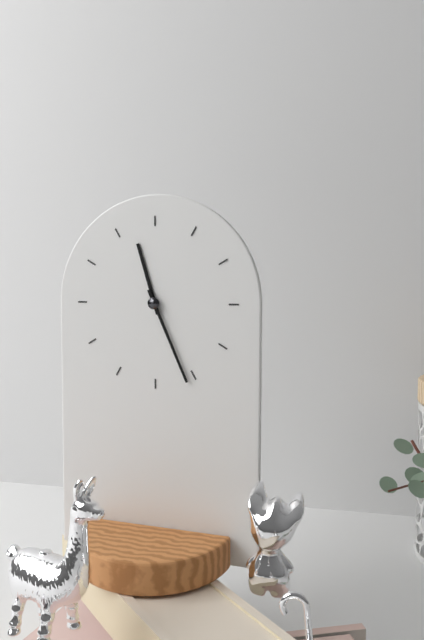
11:26
